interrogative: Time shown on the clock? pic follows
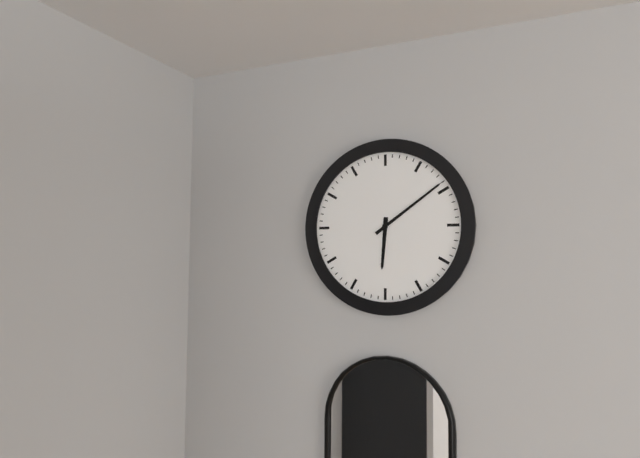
6:09
